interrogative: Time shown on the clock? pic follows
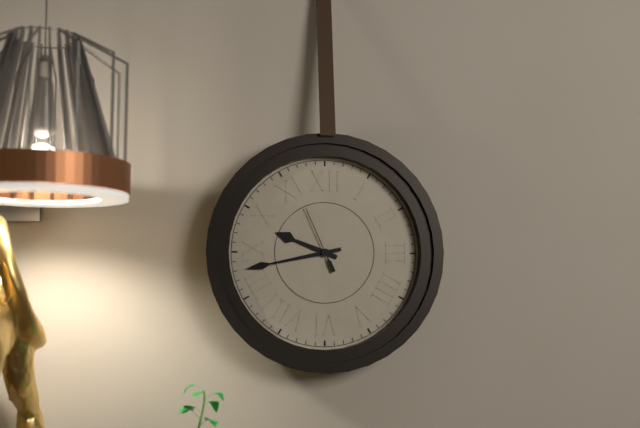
9:43:56
